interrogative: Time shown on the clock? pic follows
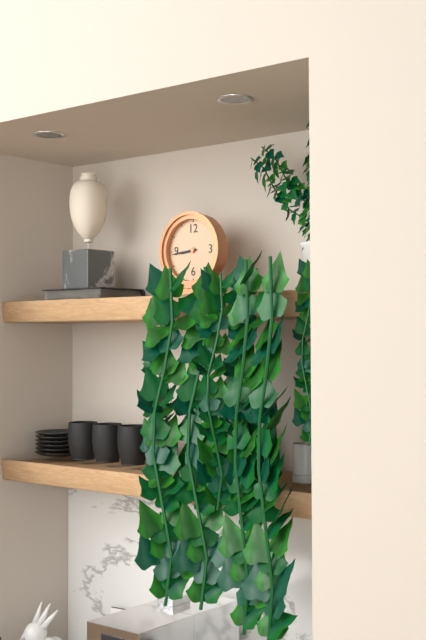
8:44
